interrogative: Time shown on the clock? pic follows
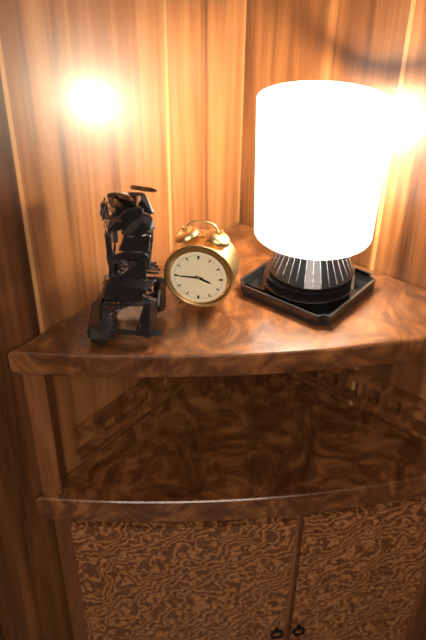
3:45
